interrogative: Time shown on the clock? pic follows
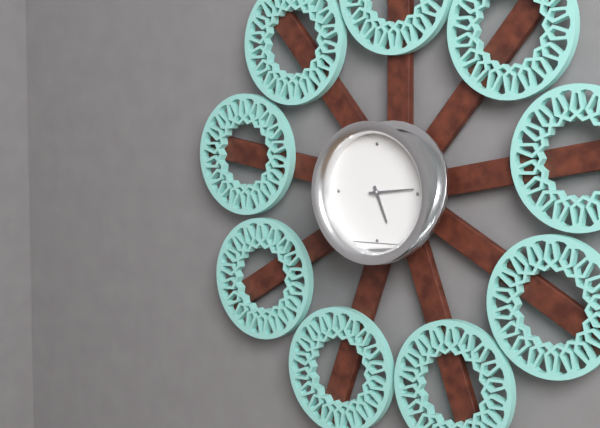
5:14
